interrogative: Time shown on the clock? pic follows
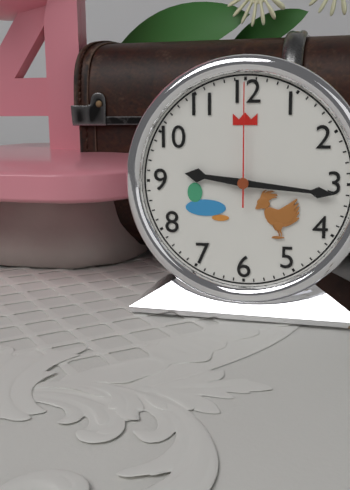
9:16:00
